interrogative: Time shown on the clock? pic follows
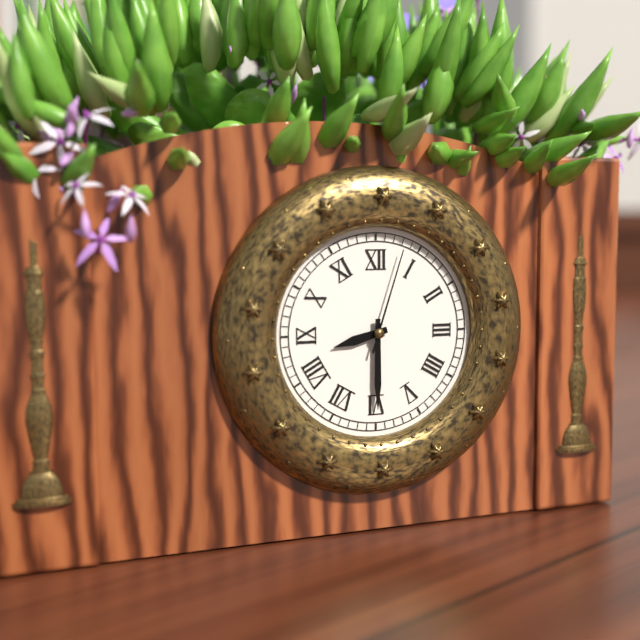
8:30:03
